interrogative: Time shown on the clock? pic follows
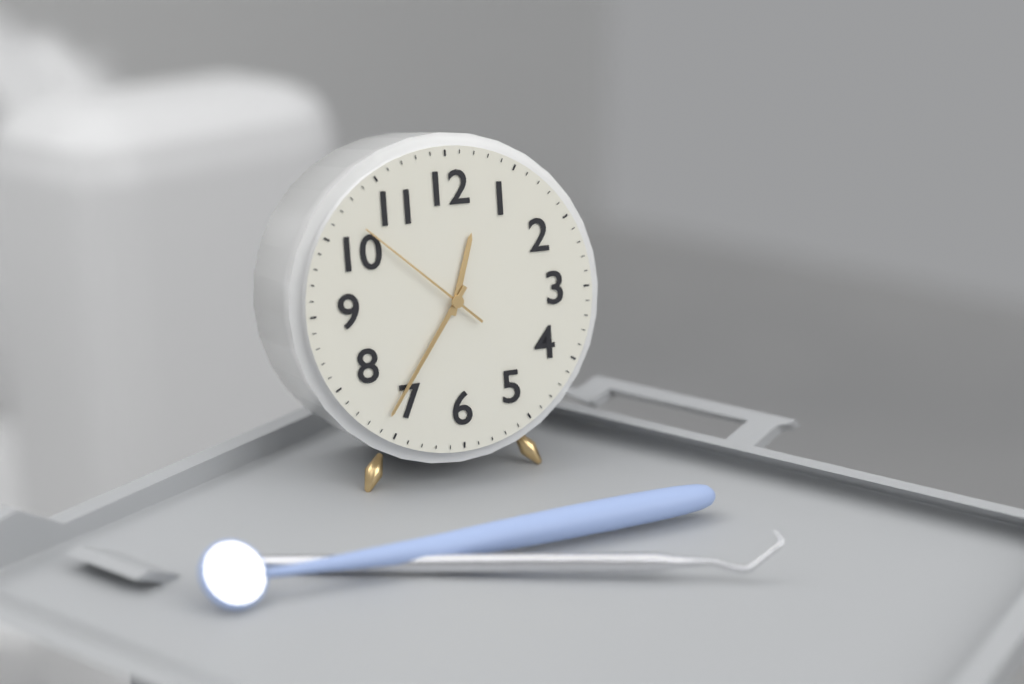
12:36:52
